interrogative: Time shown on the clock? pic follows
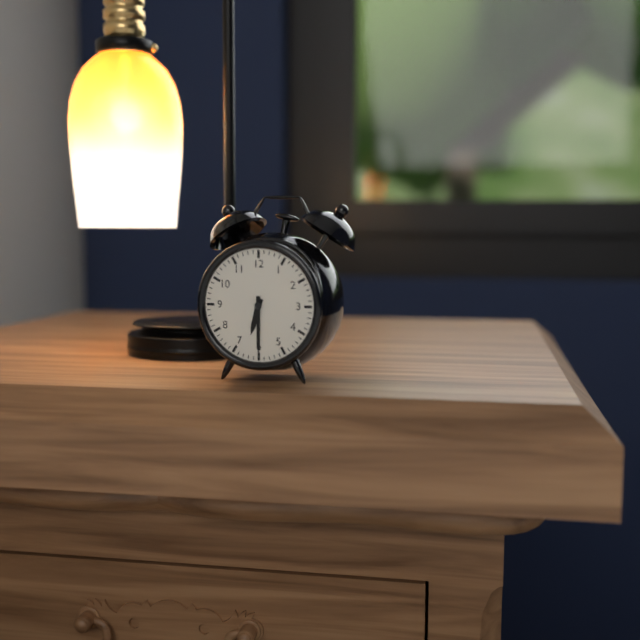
6:30
